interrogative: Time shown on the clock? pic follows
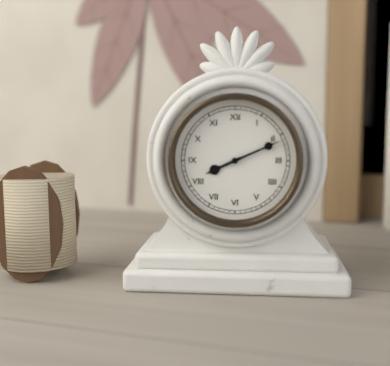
8:11
